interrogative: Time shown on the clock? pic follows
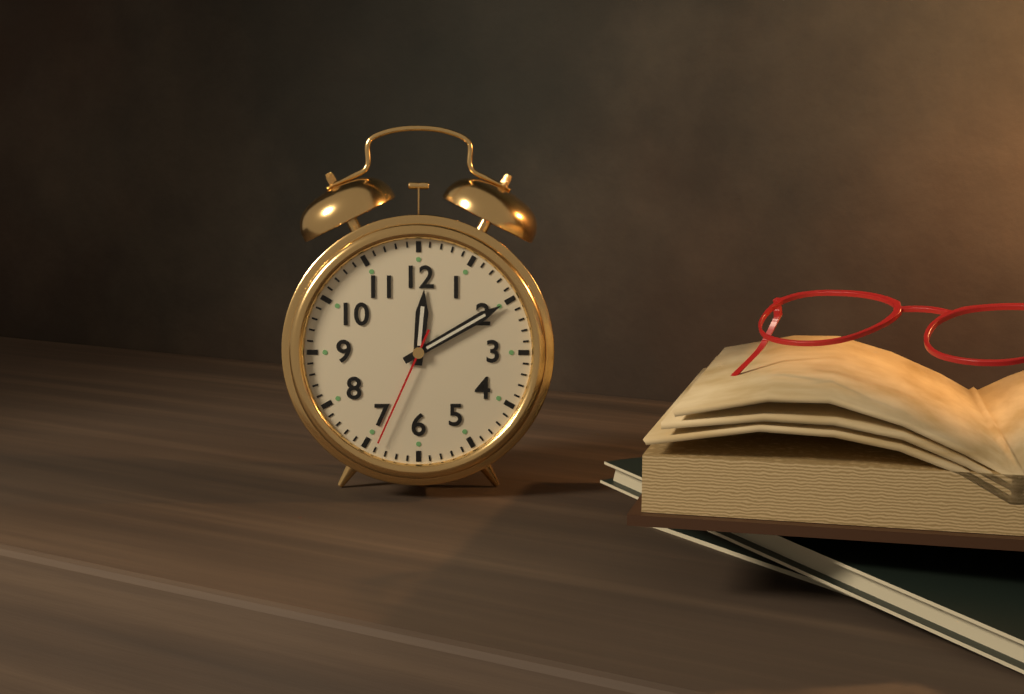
12:10:34
